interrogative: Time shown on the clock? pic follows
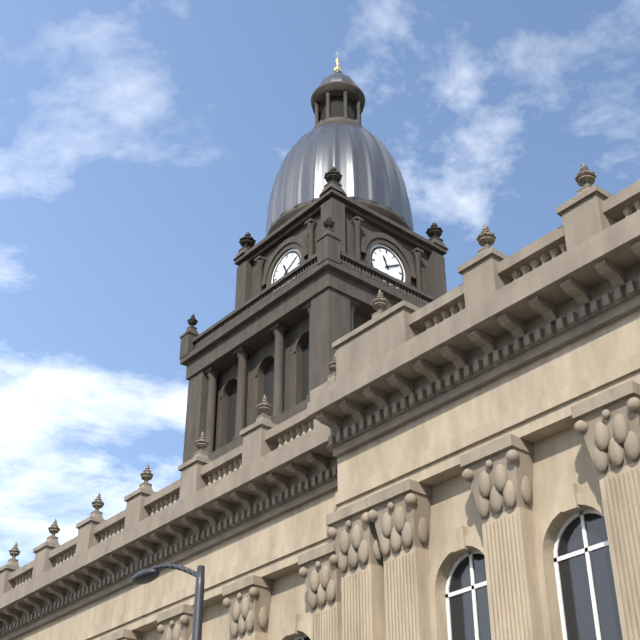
11:10
